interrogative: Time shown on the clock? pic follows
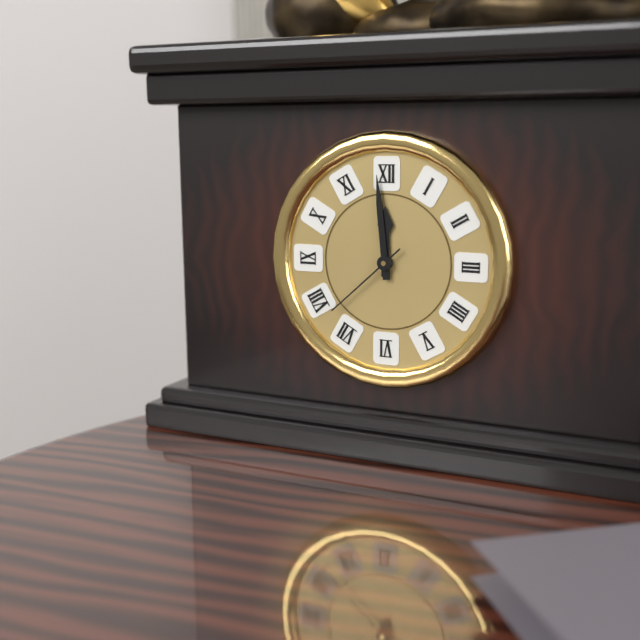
11:59:38
